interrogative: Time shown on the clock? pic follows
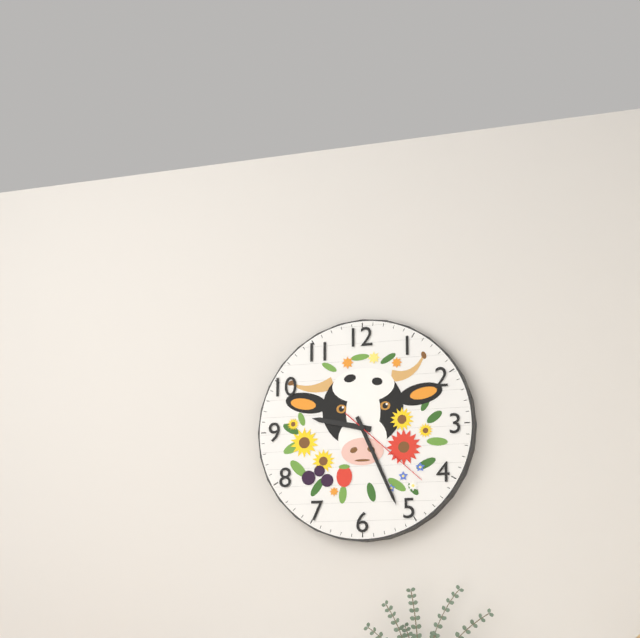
9:26:22
